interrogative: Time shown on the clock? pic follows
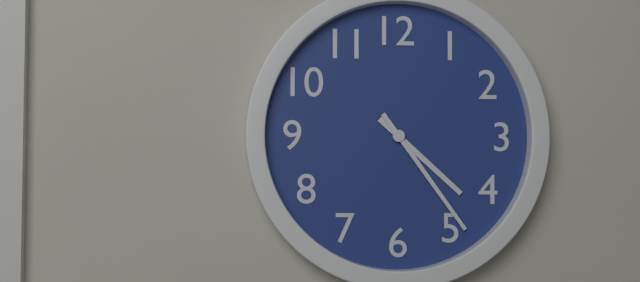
4:24
